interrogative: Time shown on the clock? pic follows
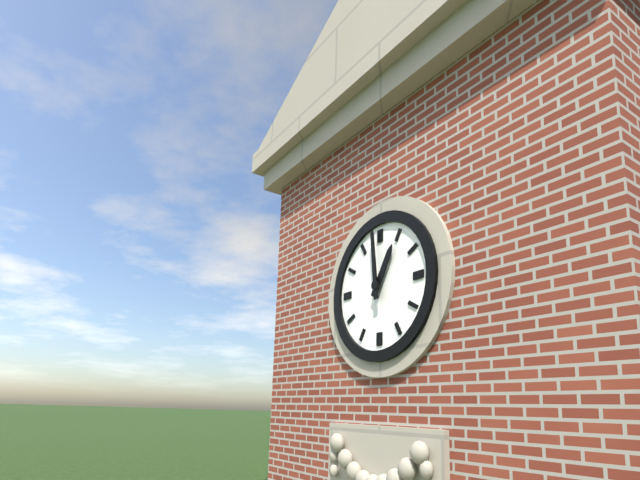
12:59
